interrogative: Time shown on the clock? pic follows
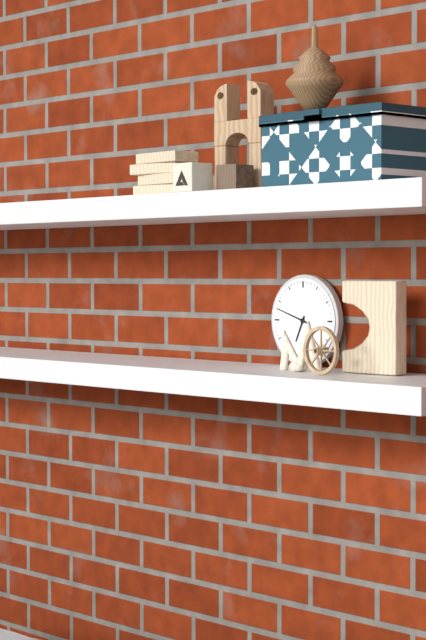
6:48
